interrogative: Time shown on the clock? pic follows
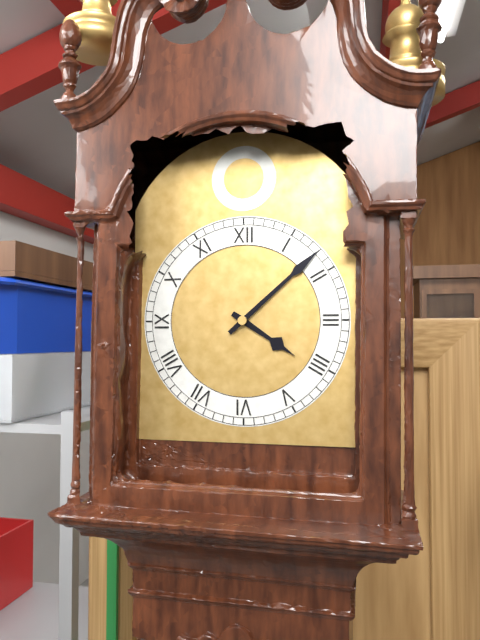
4:08
